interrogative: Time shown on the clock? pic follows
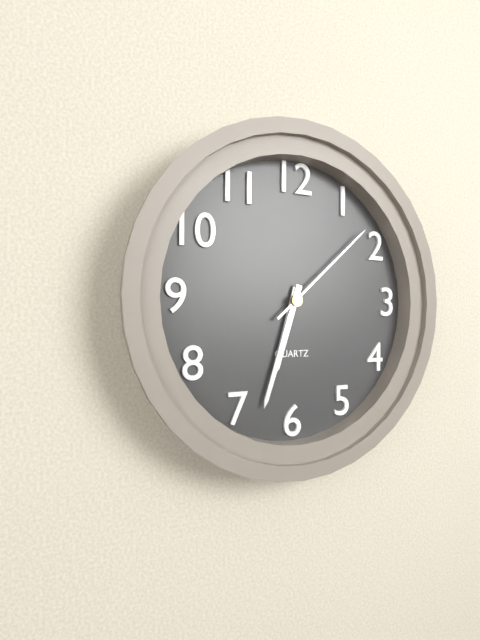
6:33:08
